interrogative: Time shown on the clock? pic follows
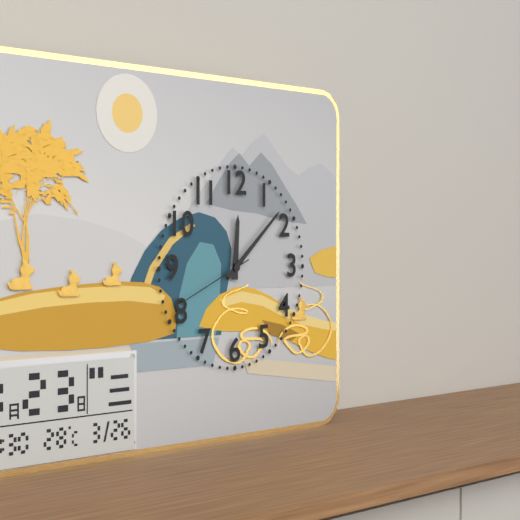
12:08:41
